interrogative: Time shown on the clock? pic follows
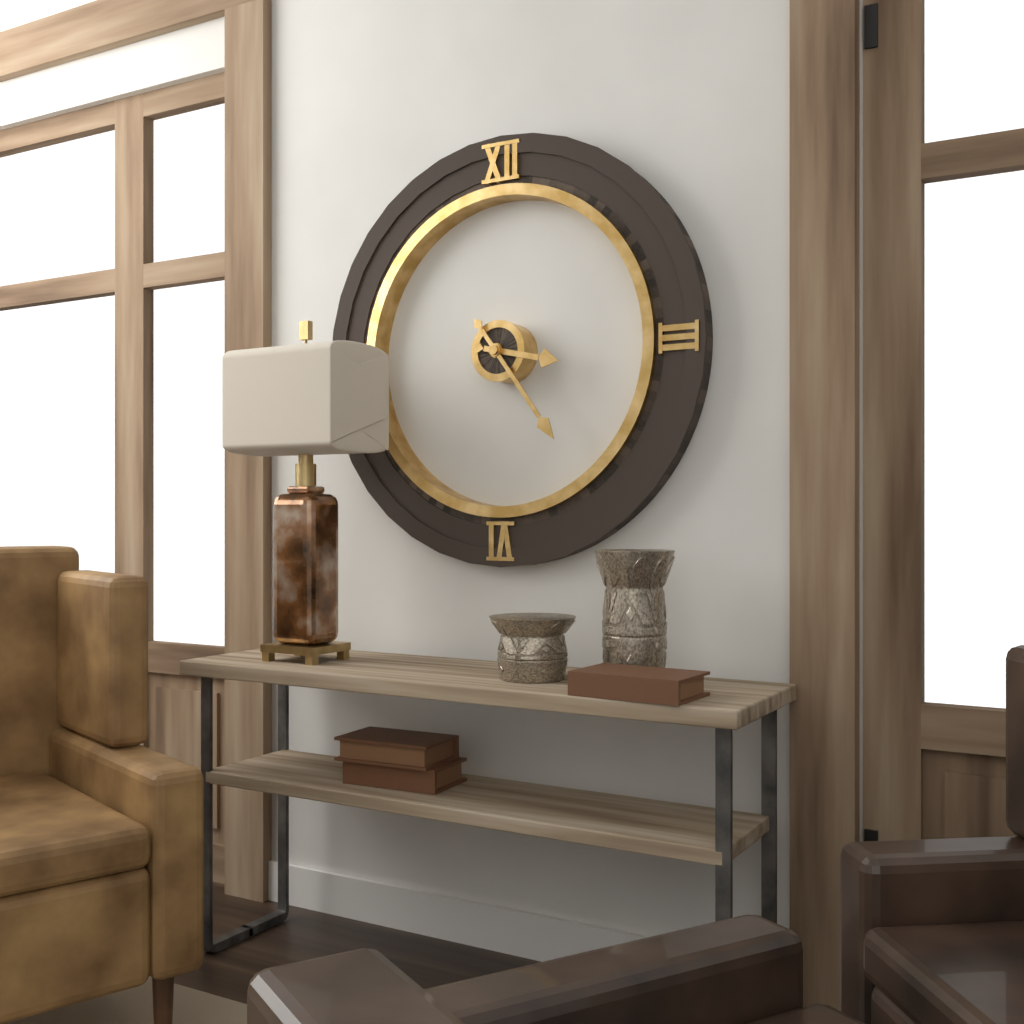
3:24
